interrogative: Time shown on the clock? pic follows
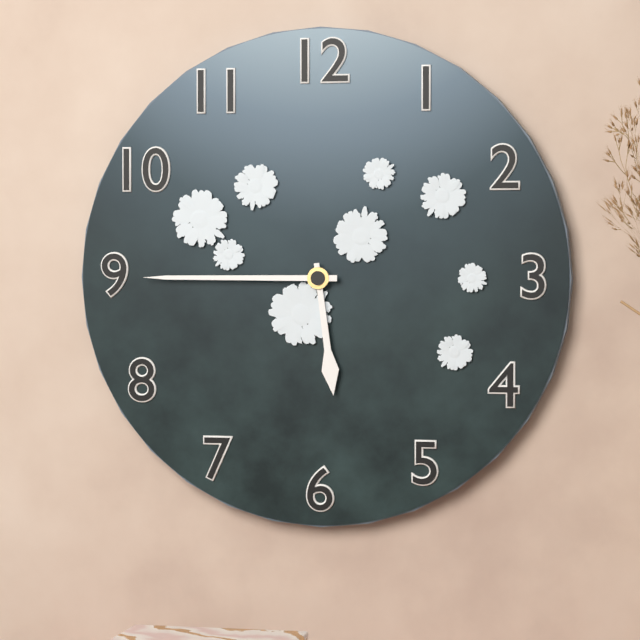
5:45
